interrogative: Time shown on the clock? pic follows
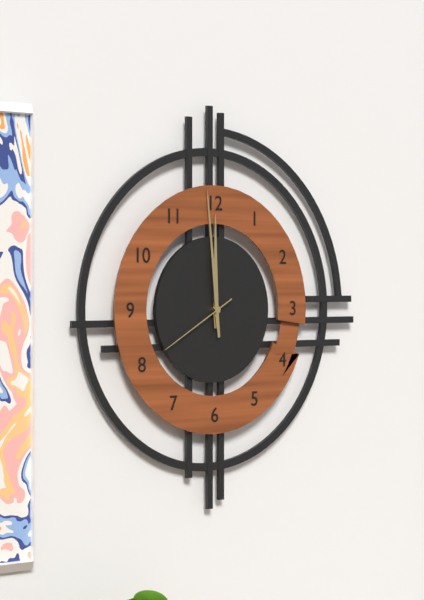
11:59:40
